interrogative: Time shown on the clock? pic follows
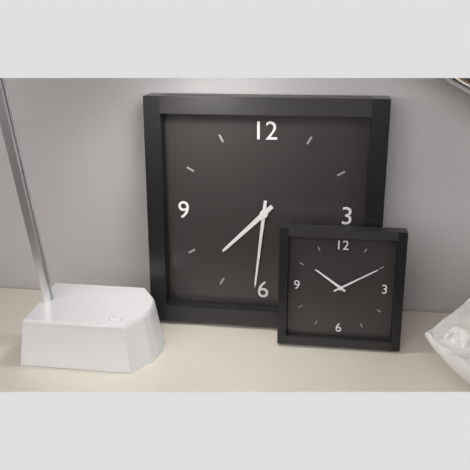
7:31
